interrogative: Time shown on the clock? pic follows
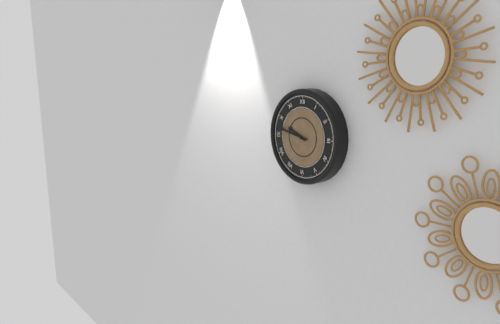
9:47
